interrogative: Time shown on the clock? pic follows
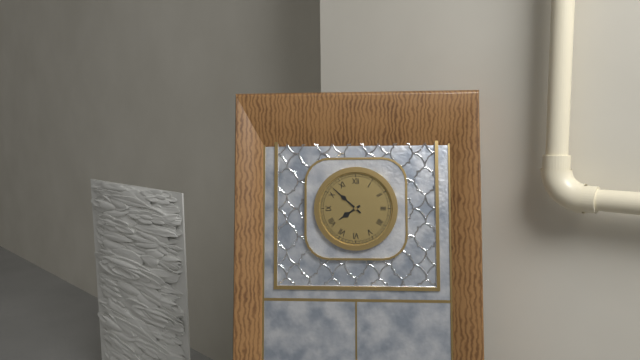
7:52
